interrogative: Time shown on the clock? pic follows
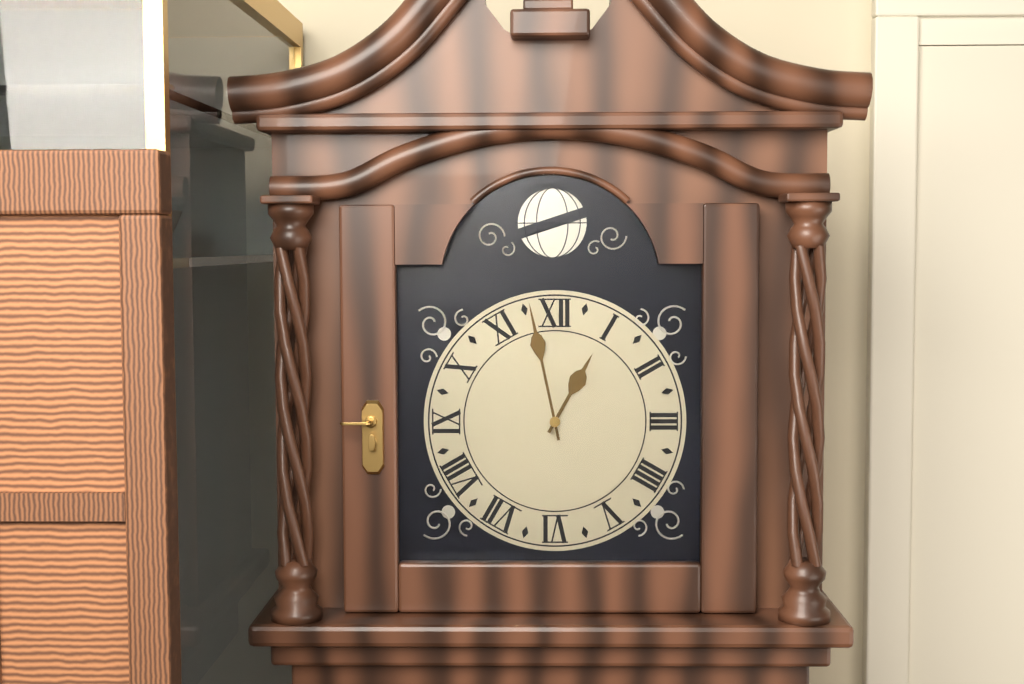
12:58
